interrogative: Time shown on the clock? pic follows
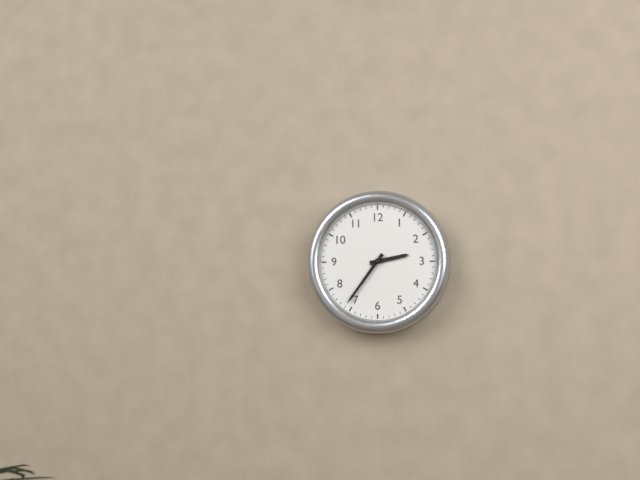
2:36
